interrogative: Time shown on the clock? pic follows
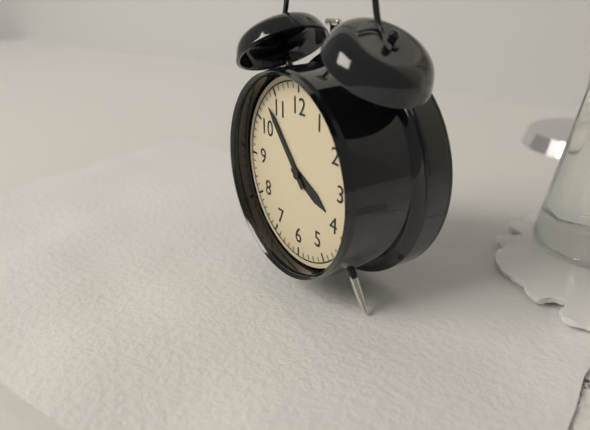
3:53
